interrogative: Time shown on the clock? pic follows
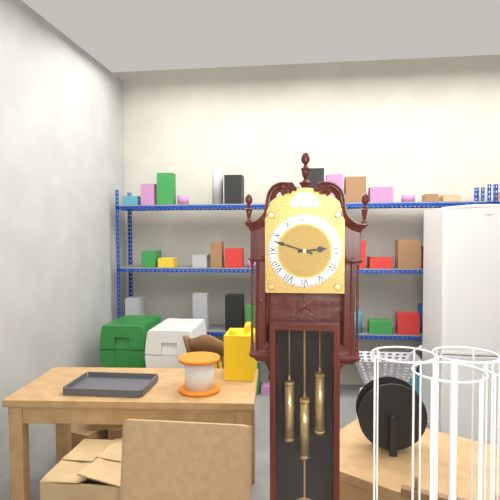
2:48
